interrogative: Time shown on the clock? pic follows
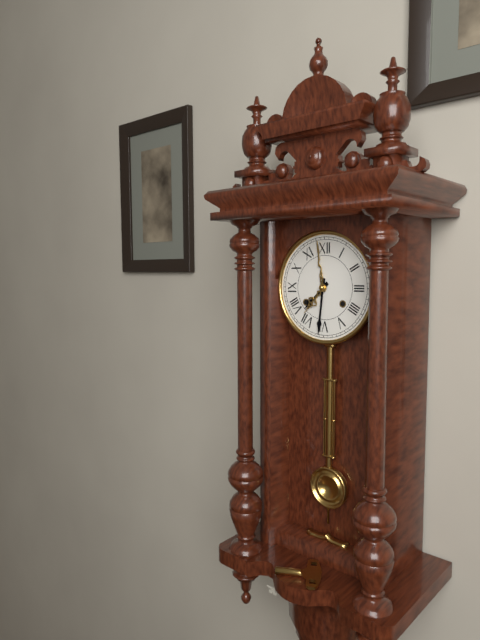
7:31
